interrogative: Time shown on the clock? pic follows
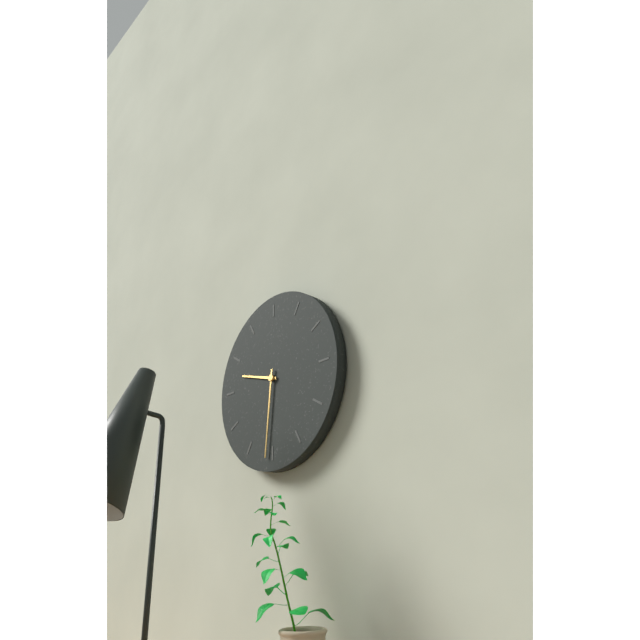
9:31
